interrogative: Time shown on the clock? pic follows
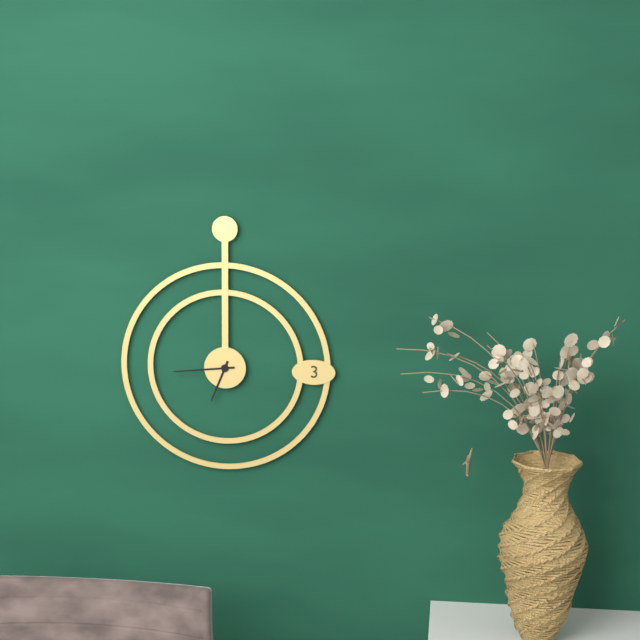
6:44
